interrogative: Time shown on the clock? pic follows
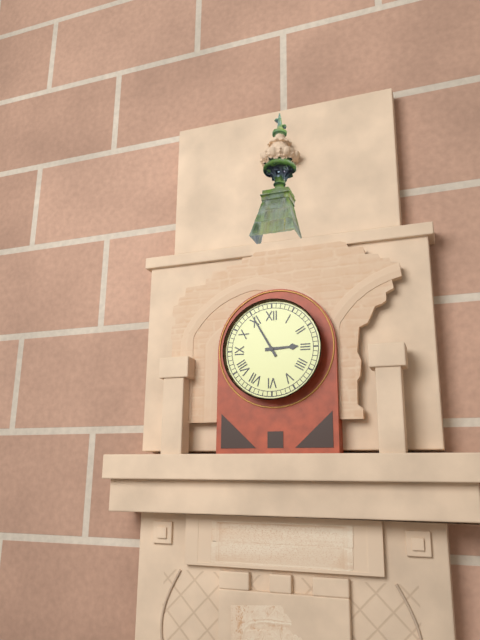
2:55
